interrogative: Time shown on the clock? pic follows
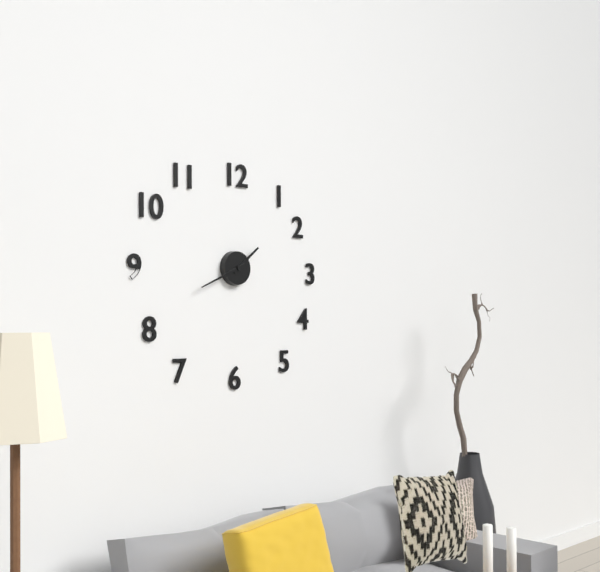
1:41
